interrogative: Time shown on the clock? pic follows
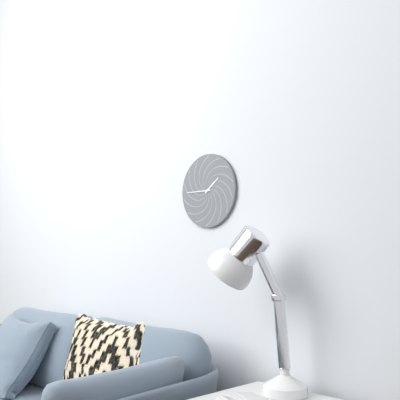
1:45
